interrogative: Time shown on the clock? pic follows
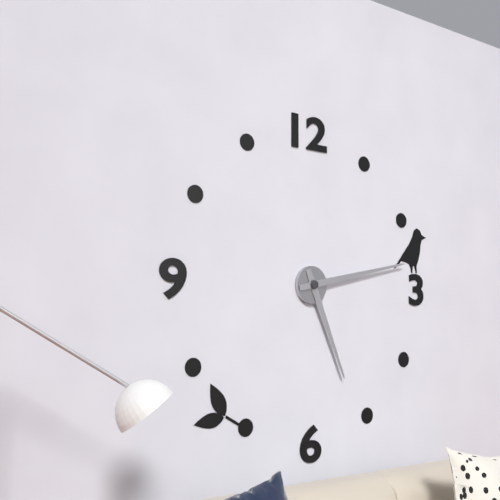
5:13
